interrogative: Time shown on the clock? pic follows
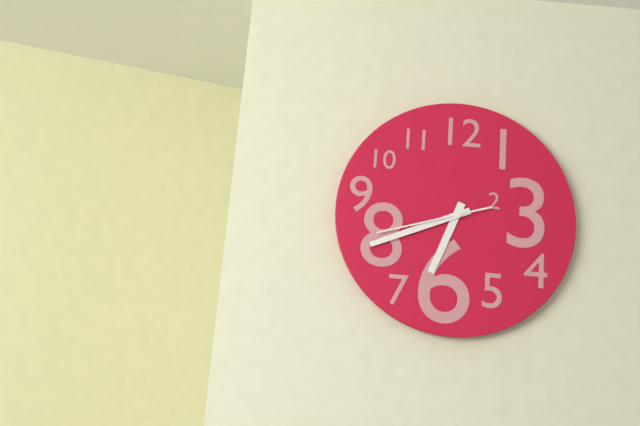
6:41:42
